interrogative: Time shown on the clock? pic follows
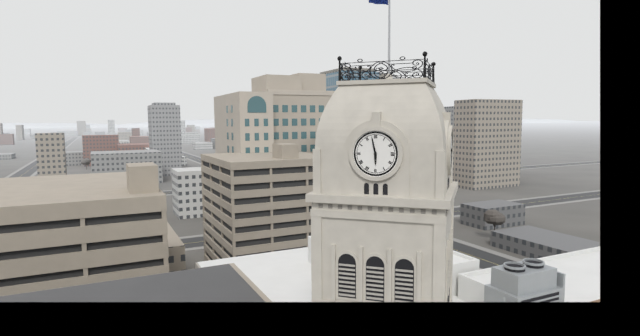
5:58
